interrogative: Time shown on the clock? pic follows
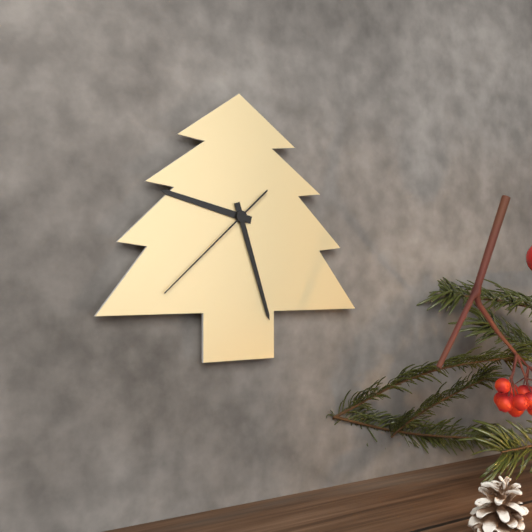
9:27:38
